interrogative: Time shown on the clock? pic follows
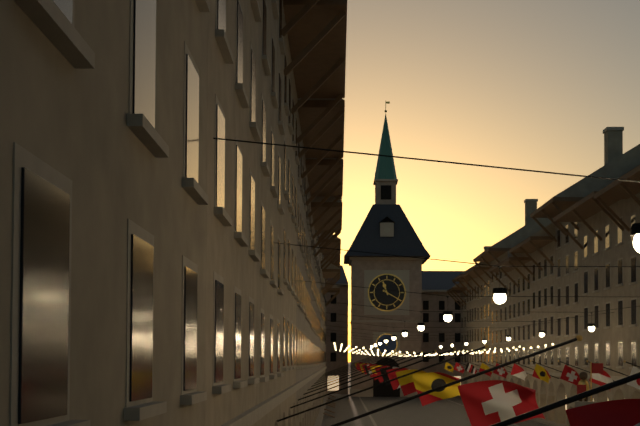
11:20
